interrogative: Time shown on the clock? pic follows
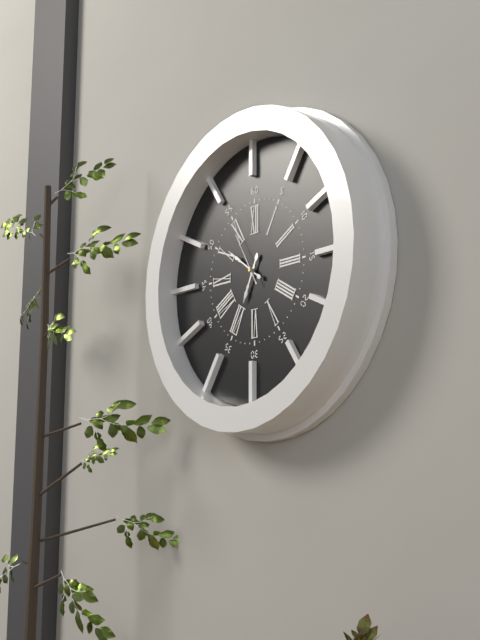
6:51:55
